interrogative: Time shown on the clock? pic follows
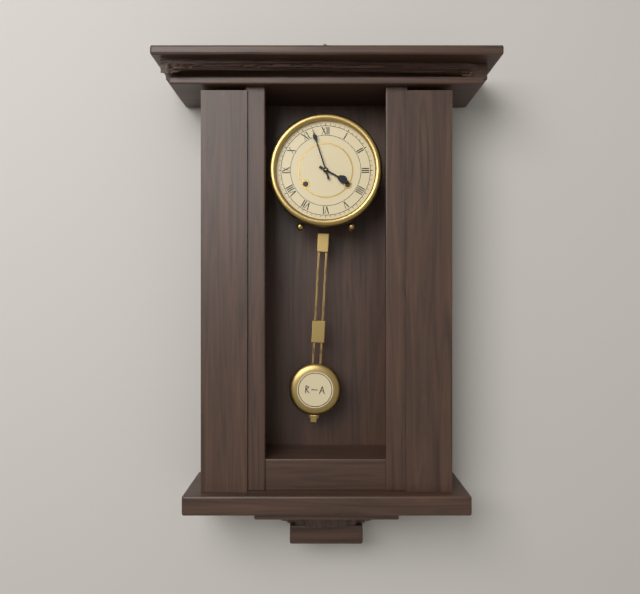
3:57
